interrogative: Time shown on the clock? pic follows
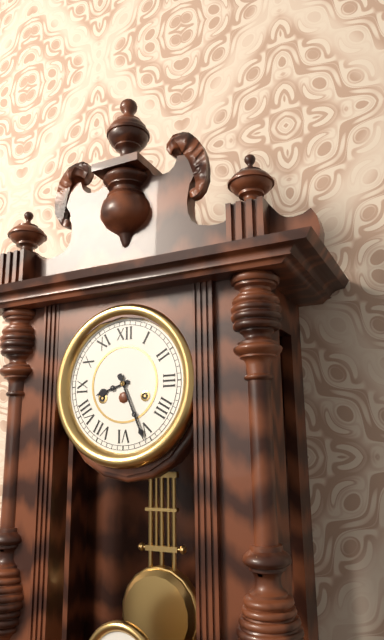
8:26
